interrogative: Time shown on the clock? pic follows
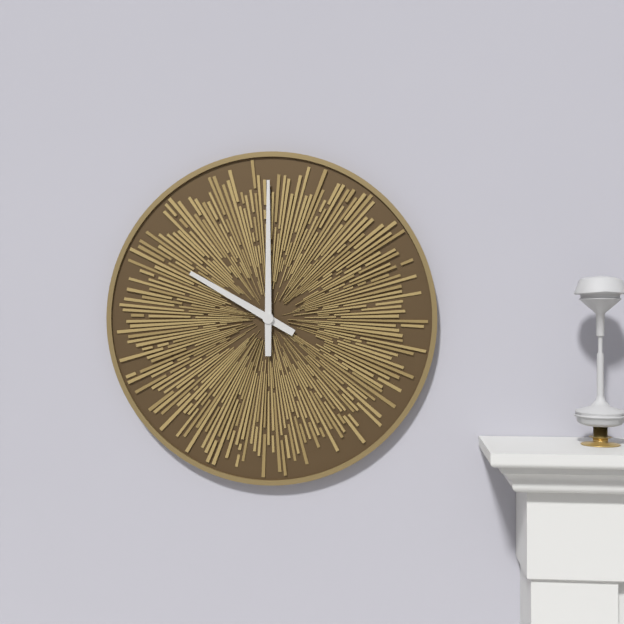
10:00
